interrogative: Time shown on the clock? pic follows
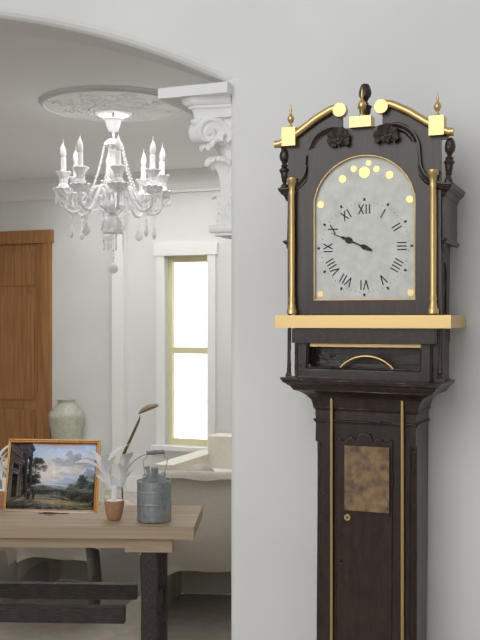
9:49
